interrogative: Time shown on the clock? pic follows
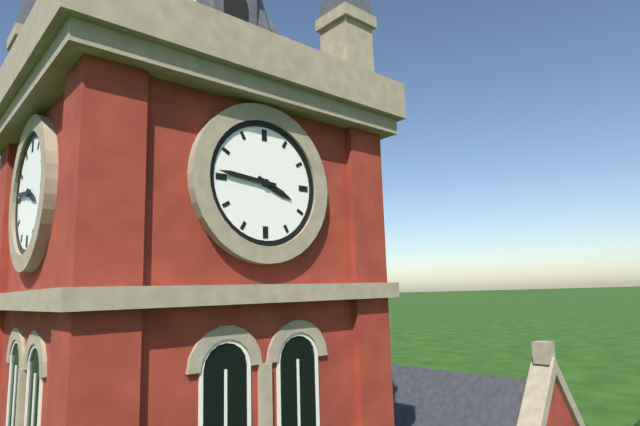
3:46
